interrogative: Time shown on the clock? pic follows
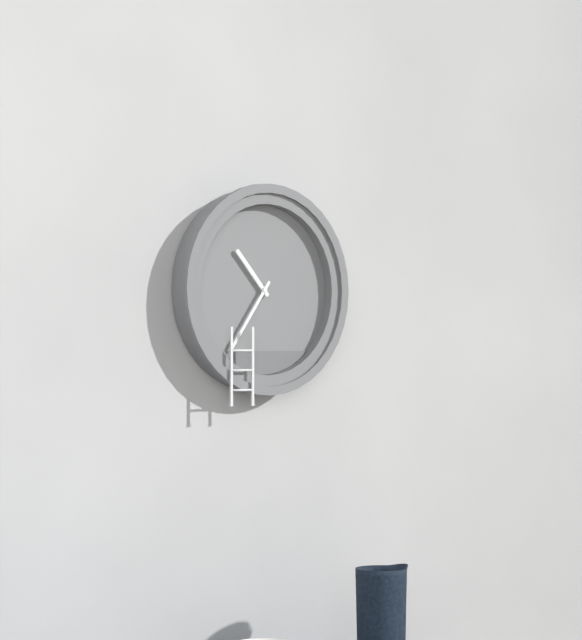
10:36
